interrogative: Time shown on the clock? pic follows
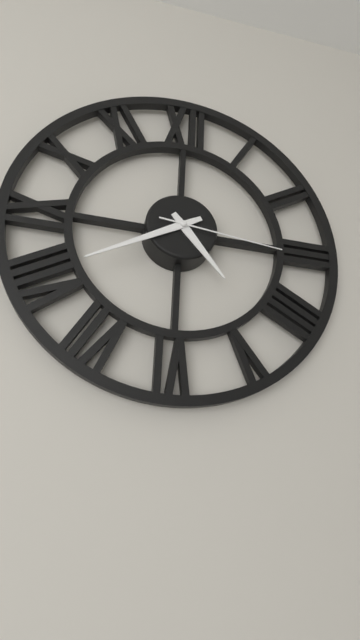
4:40:16
